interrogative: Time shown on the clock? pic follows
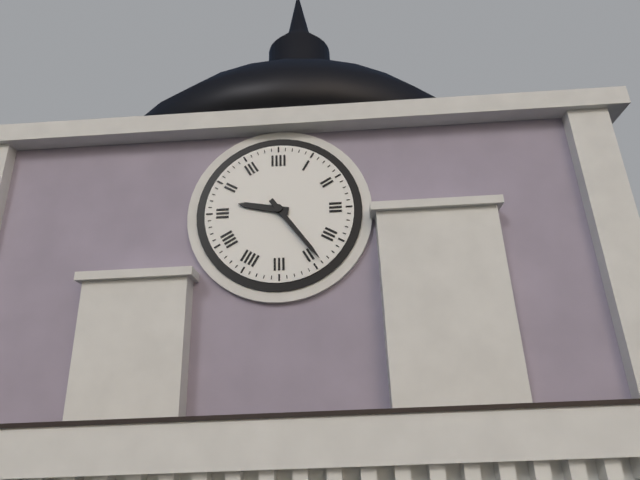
9:24
